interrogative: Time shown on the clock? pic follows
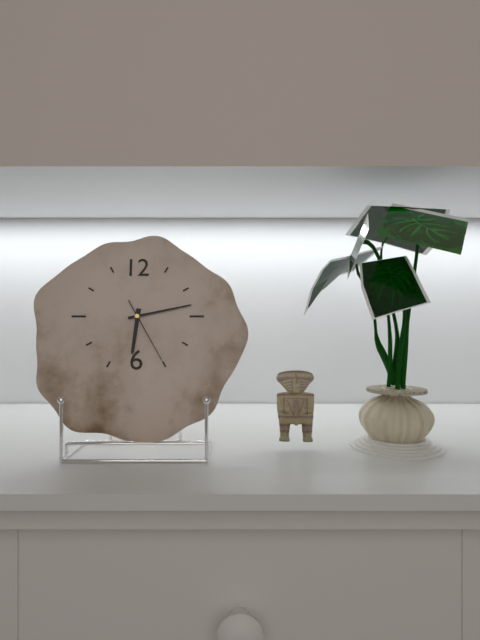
6:13:25
